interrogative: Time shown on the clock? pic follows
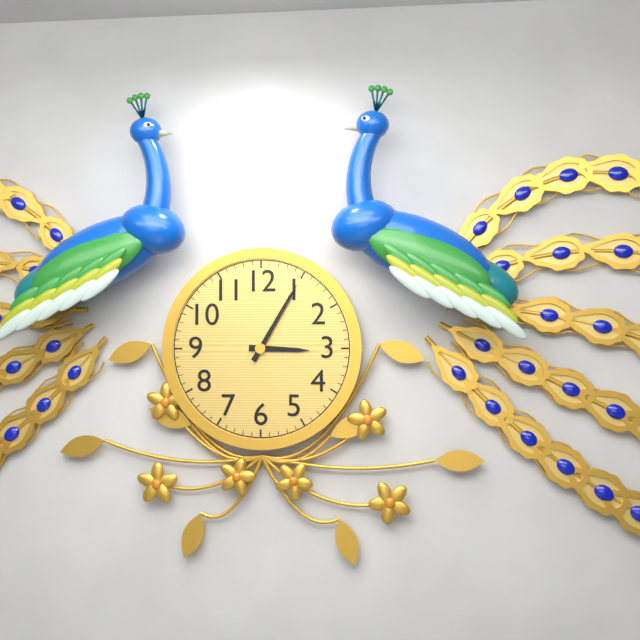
3:05
